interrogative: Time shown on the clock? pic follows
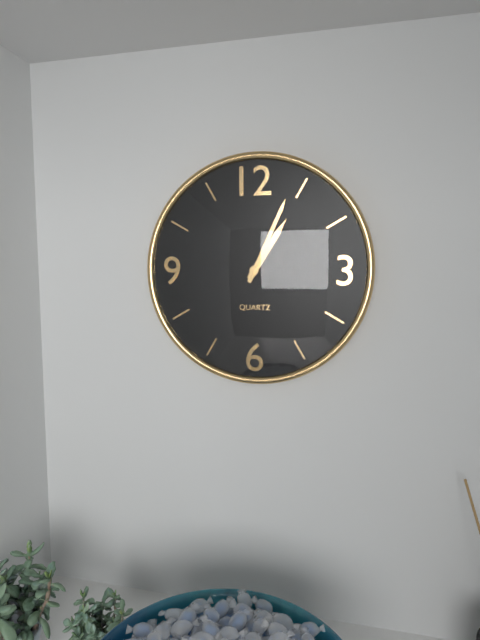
1:04
